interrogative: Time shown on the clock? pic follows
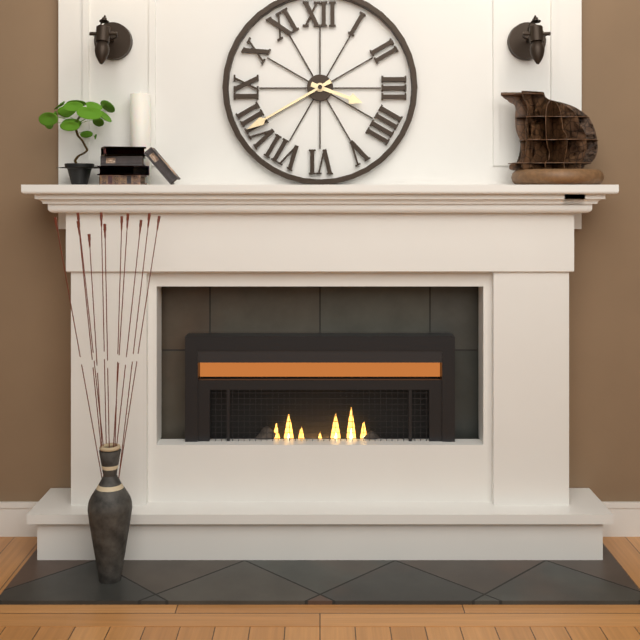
3:40
